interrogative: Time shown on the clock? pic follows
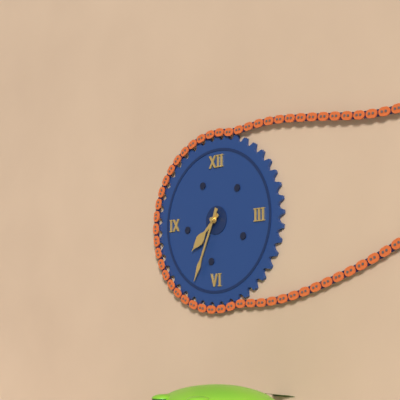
7:34
